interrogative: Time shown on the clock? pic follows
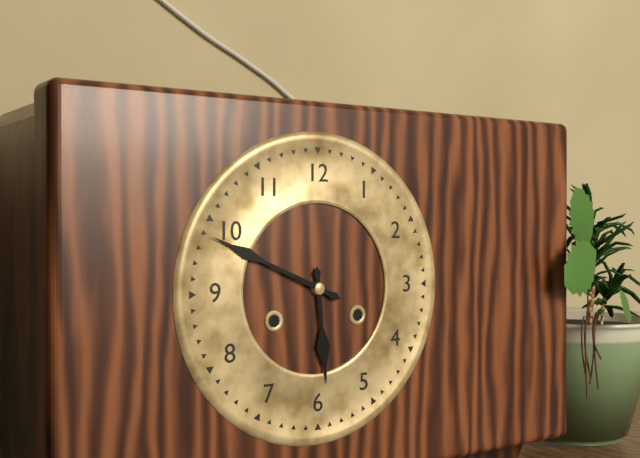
5:49
